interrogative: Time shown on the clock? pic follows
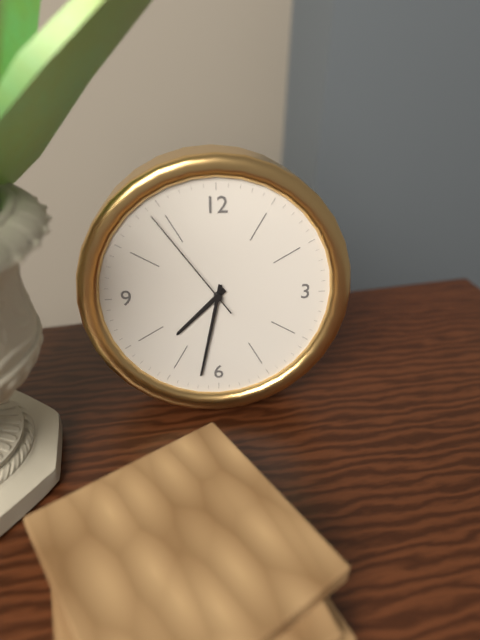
7:32:54
